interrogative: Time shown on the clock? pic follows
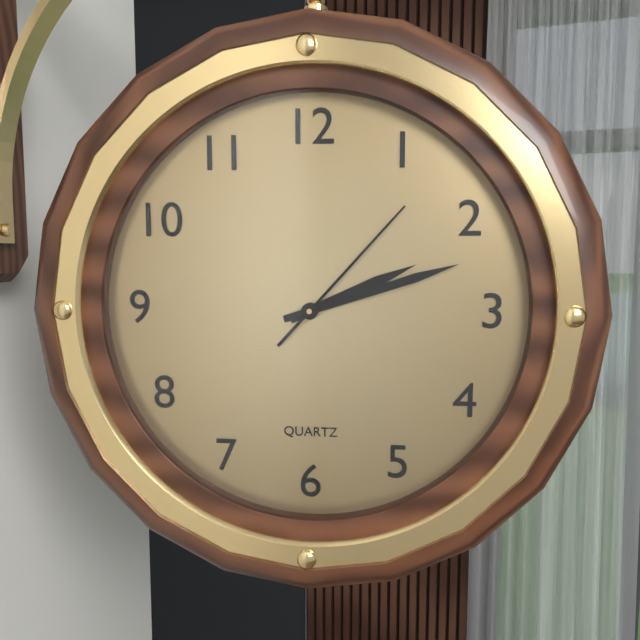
2:12:07
